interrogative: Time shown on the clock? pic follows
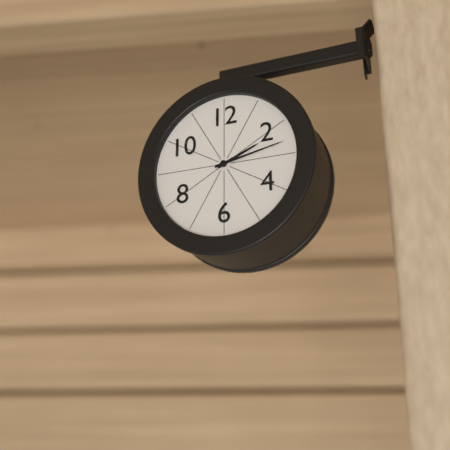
2:13
